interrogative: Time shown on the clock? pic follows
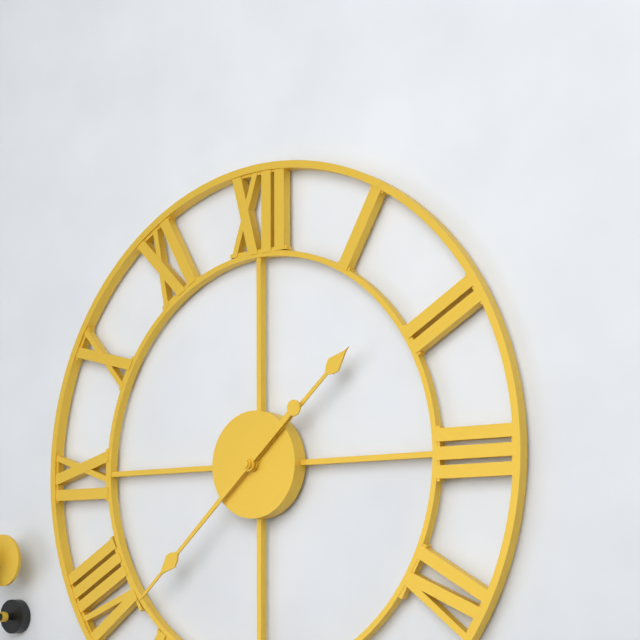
1:38
